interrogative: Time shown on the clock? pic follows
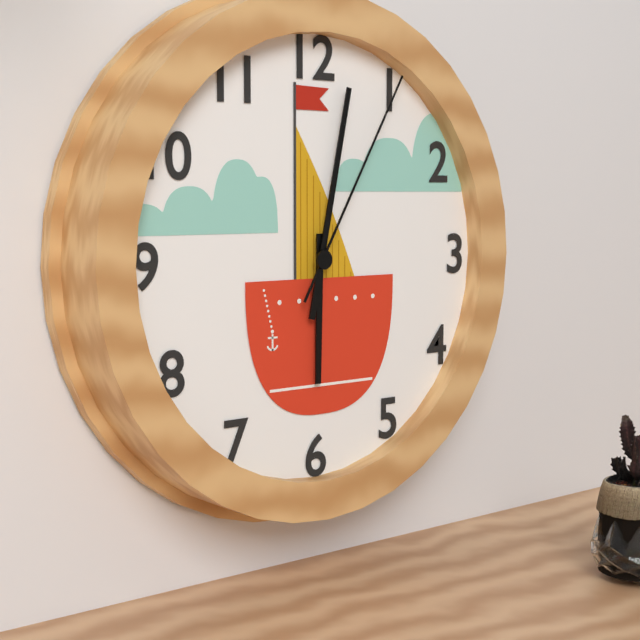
6:02:05
